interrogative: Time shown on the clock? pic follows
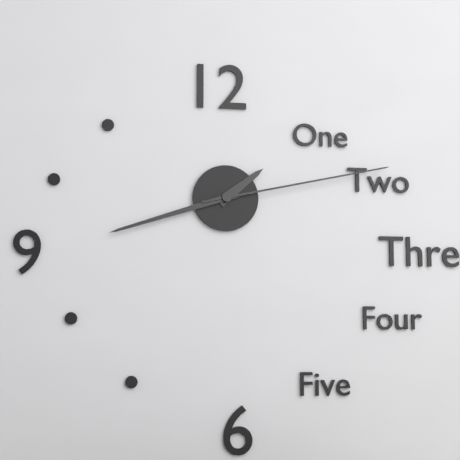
1:42:13
